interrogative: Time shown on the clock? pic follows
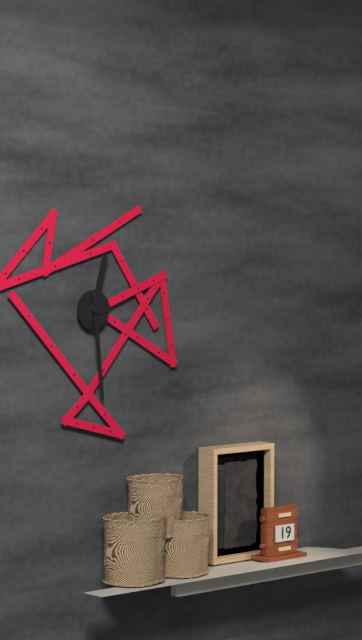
12:29
